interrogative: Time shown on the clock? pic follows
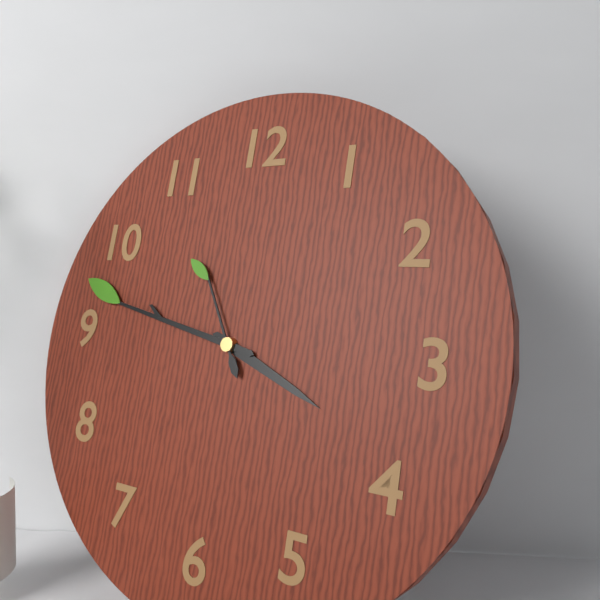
3:47:55
